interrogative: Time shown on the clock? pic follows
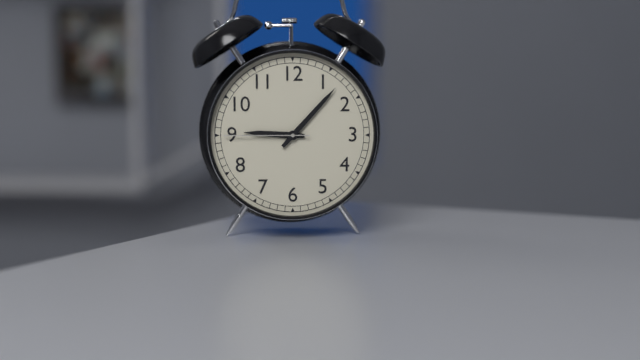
9:07:45
